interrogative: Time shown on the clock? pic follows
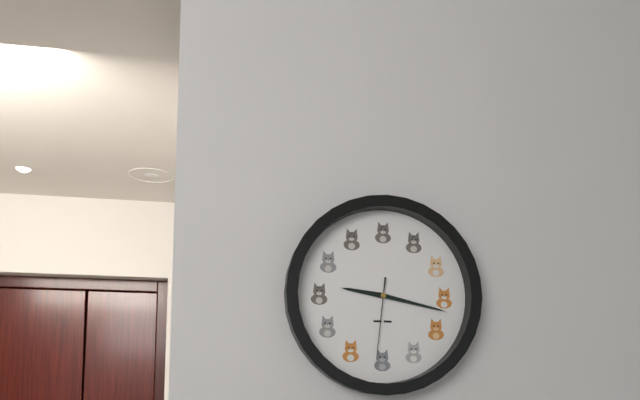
9:17:31
